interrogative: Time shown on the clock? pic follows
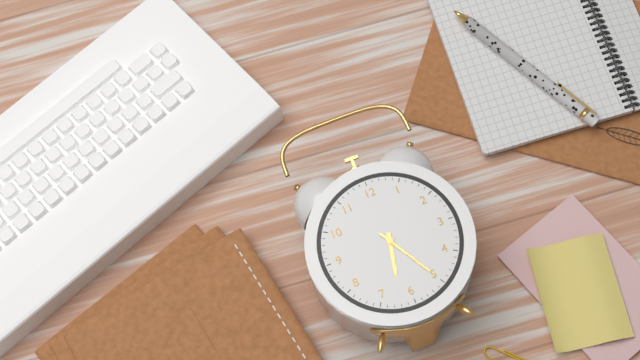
6:25
